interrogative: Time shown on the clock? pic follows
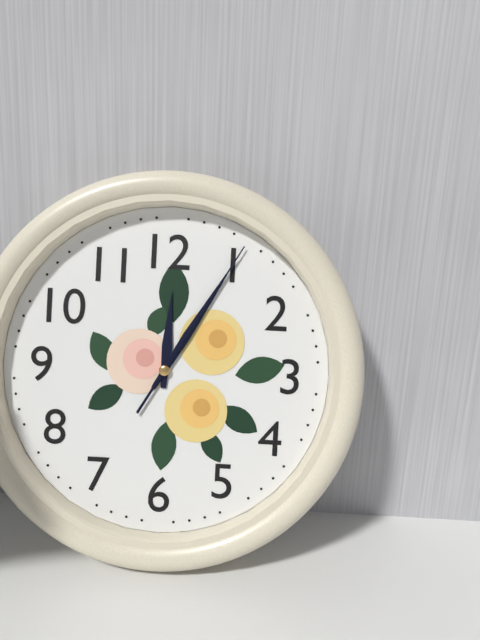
12:05:05
